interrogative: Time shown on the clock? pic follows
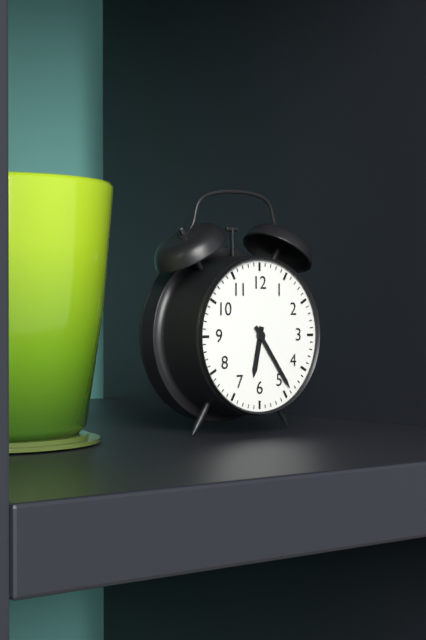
6:24
